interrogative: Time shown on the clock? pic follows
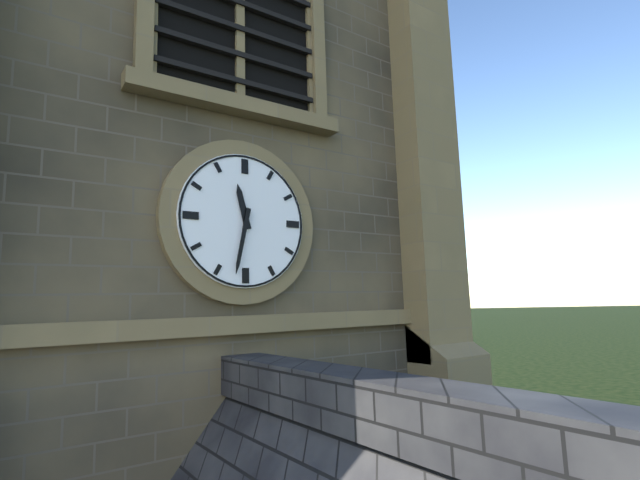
11:32
